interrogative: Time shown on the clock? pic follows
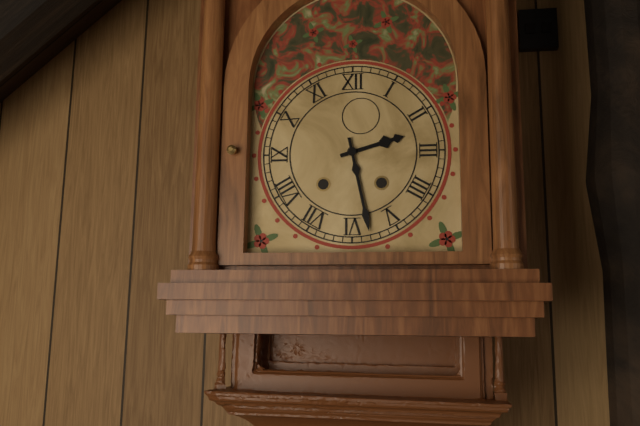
2:28
